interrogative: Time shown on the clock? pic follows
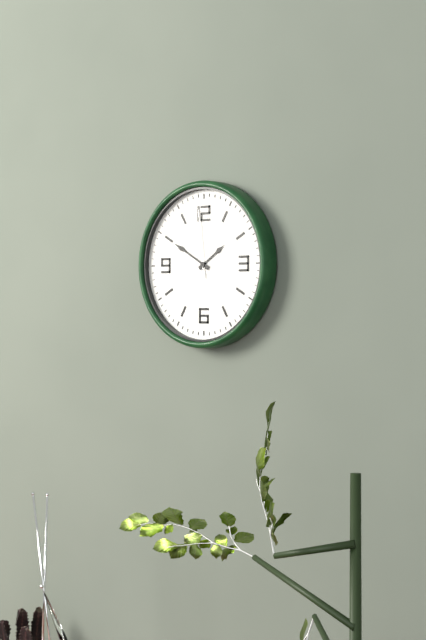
1:50:59
